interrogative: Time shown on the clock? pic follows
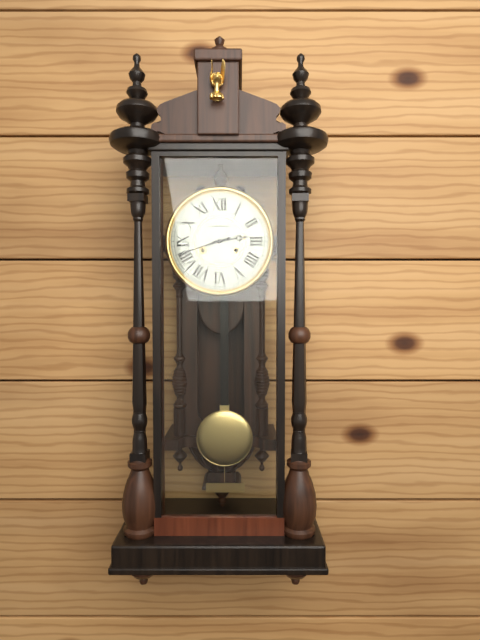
2:42
